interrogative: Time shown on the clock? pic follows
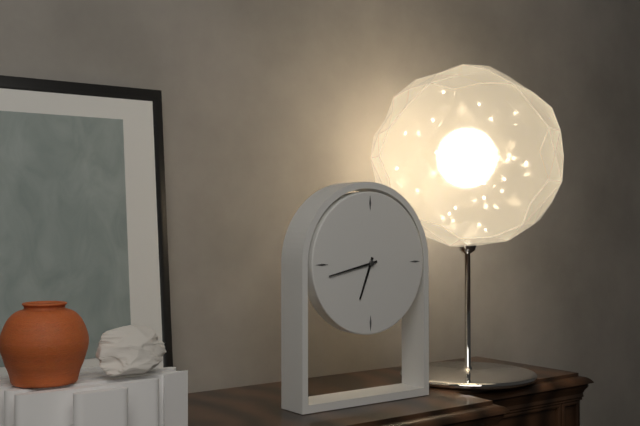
6:43
